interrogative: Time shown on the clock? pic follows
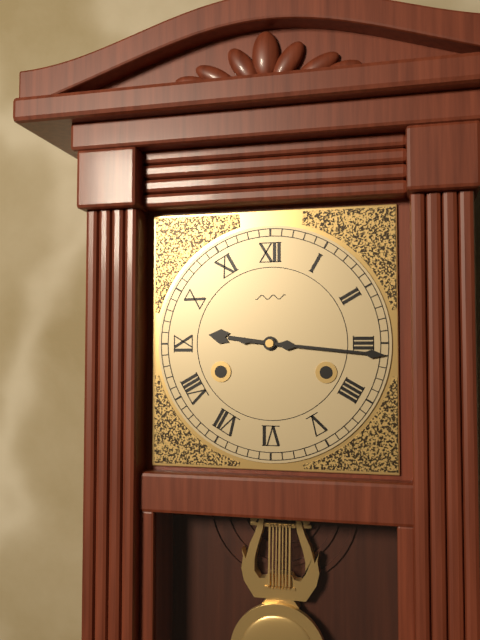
9:16
